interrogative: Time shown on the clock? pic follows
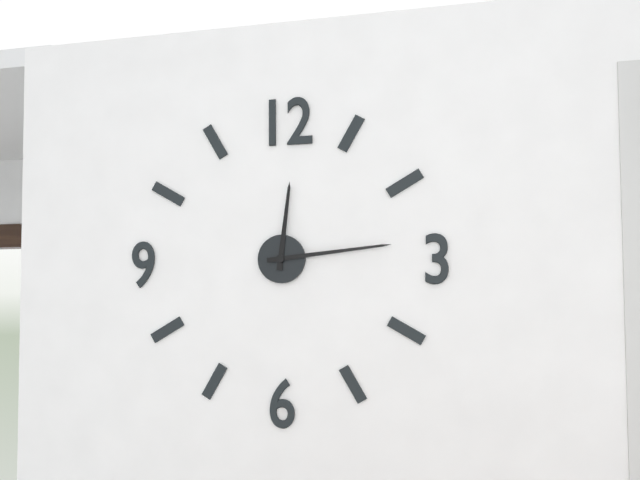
12:14
